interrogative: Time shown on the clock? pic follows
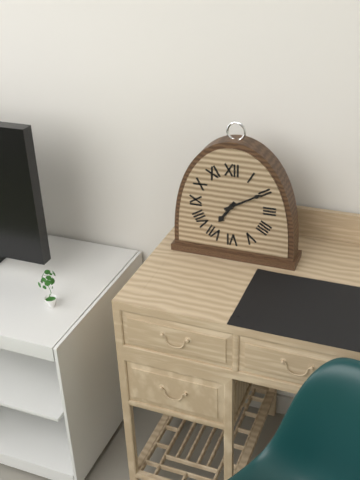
7:10
